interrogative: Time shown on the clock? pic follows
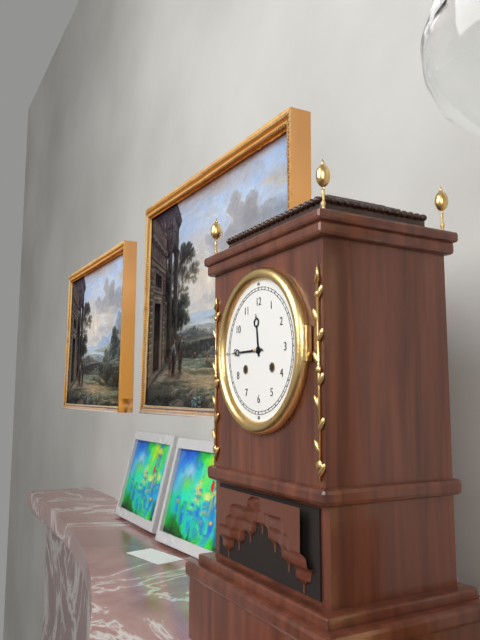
11:45
